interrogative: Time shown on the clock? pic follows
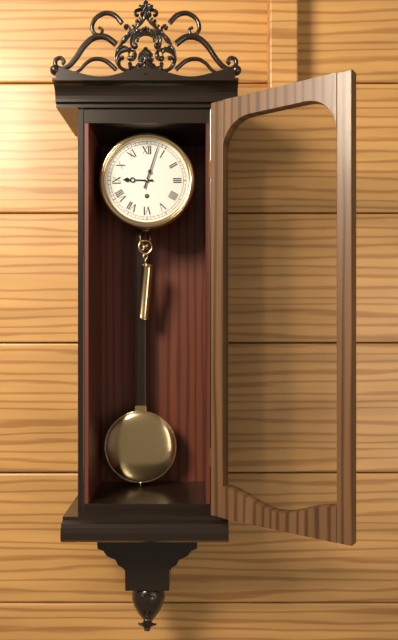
9:03
